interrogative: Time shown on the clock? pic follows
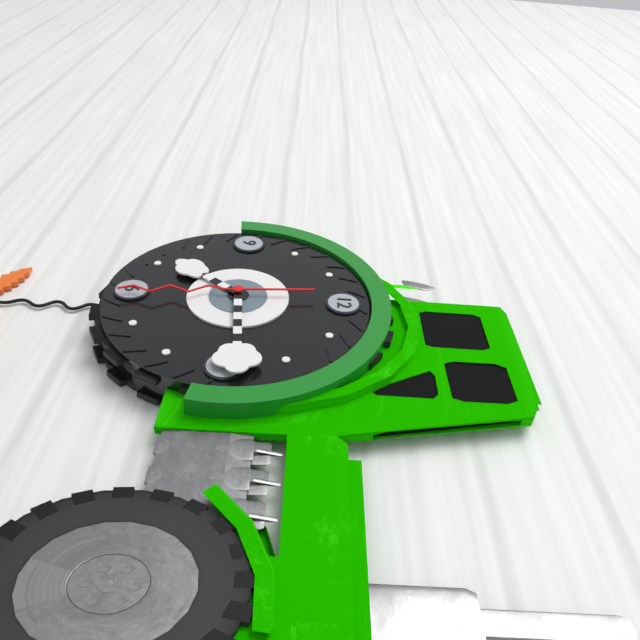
7:14:29
